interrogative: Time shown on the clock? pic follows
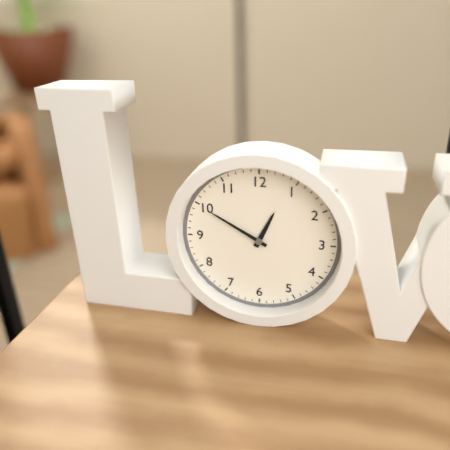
12:50
